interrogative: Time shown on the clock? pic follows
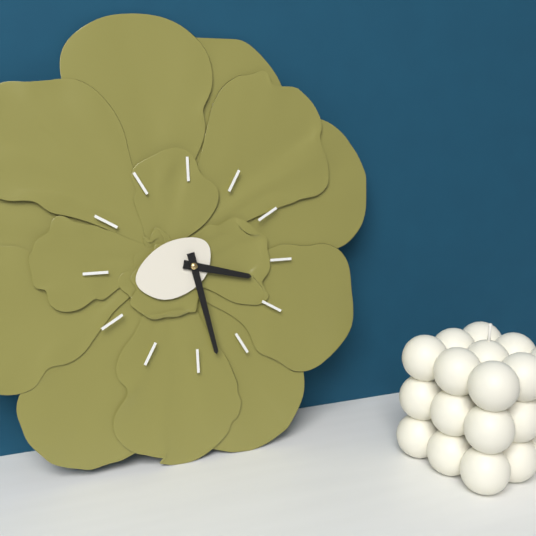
3:28
